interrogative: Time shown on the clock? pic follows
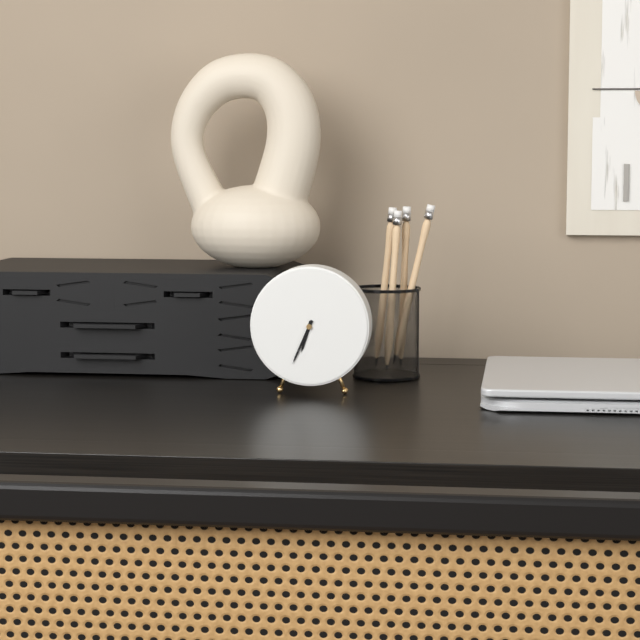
6:34
